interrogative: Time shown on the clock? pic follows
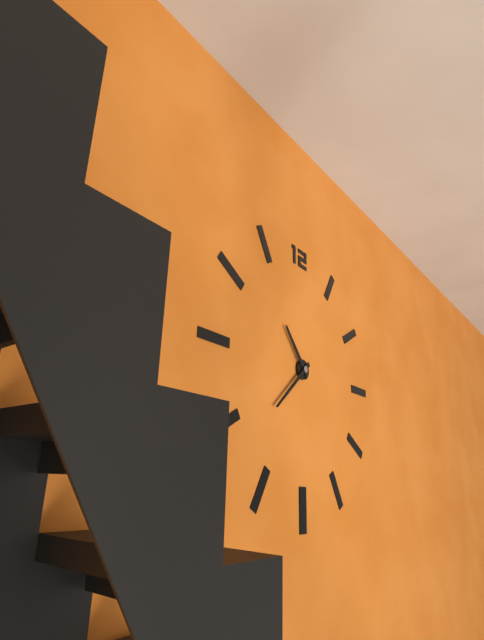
10:38
